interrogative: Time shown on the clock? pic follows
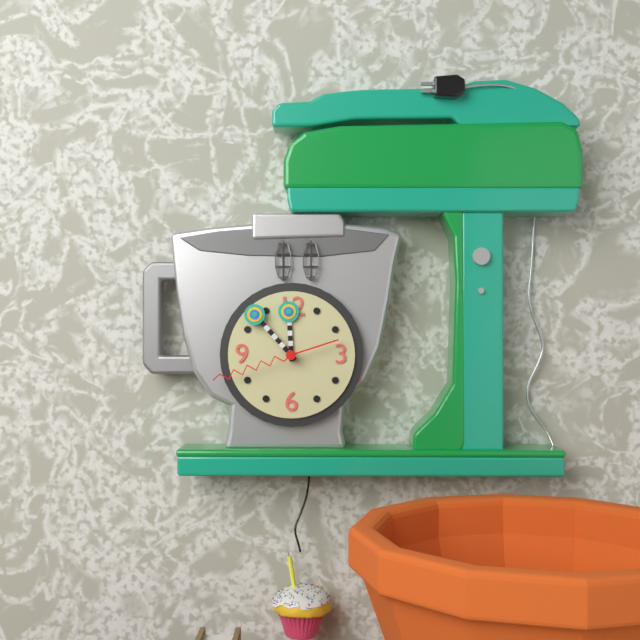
11:53:42
